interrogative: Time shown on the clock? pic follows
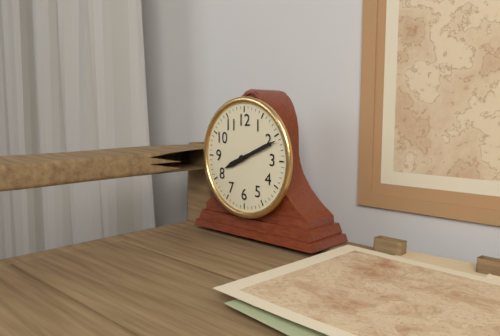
8:11
